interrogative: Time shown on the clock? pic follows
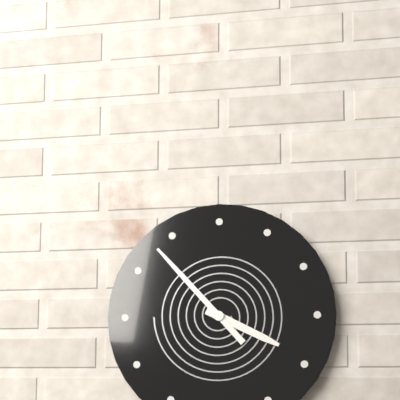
3:53
